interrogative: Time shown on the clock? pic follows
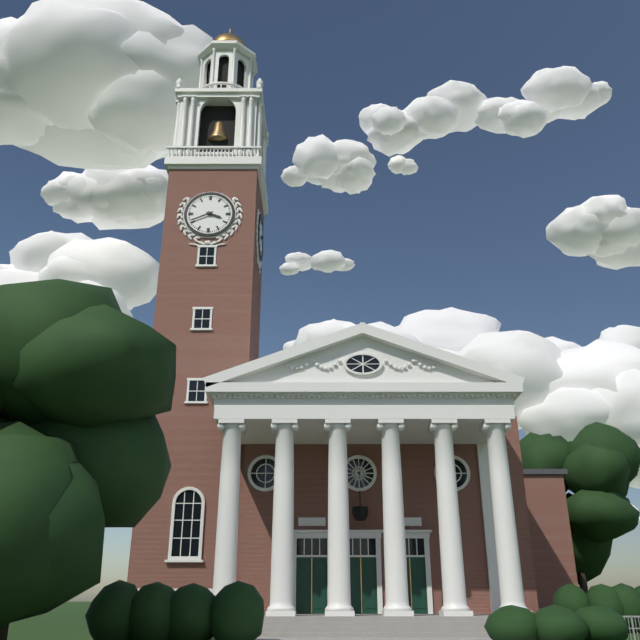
3:41
